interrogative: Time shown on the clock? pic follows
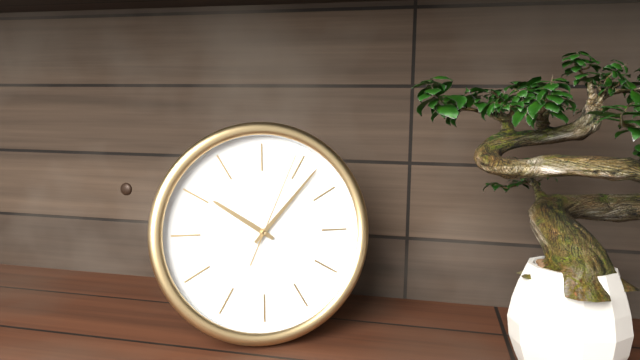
10:07:04
